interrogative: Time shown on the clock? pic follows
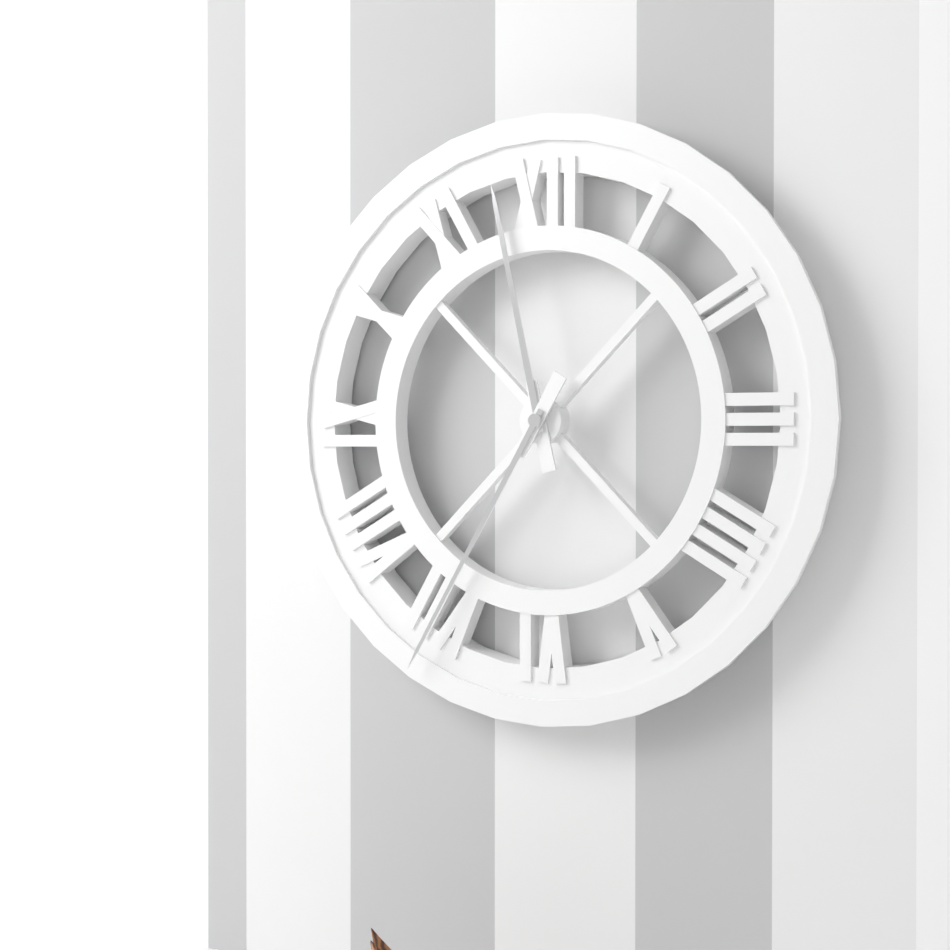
11:35
